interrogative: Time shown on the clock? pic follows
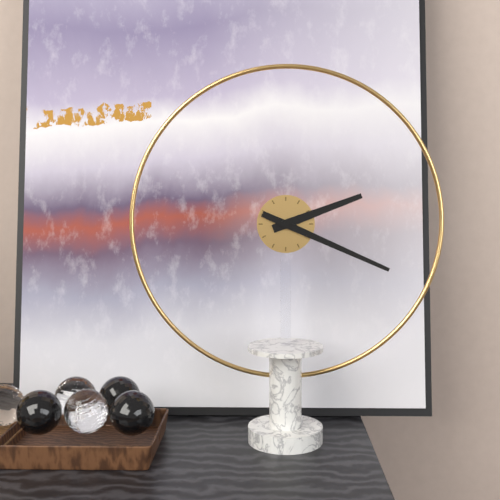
2:19
